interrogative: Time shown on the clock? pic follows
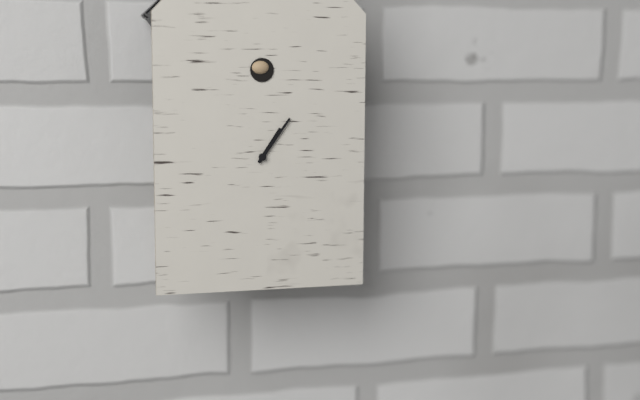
1:06
